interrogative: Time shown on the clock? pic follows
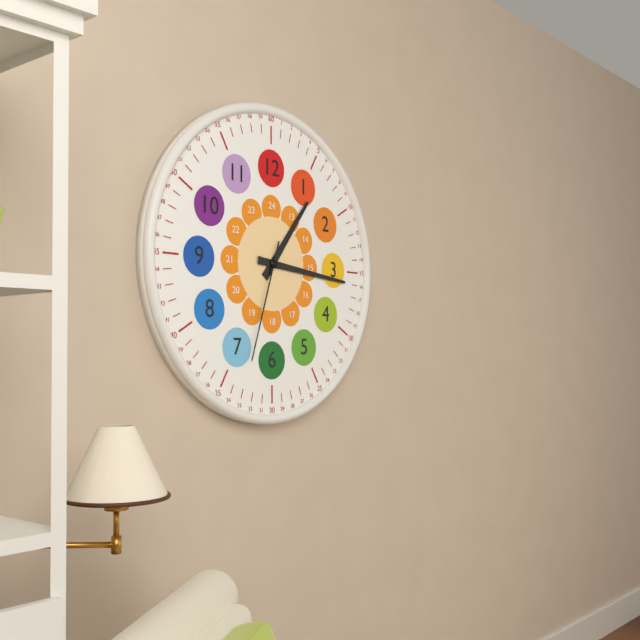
1:16:33
